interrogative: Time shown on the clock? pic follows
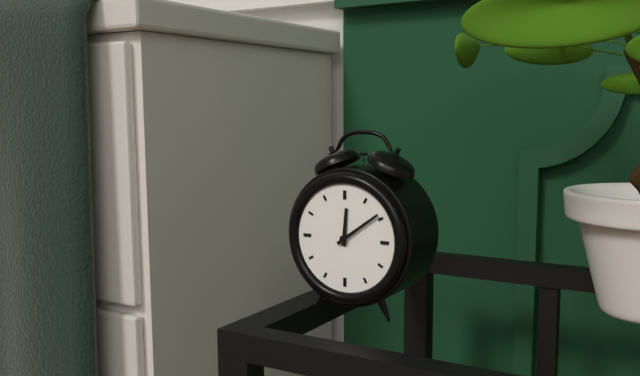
12:09
